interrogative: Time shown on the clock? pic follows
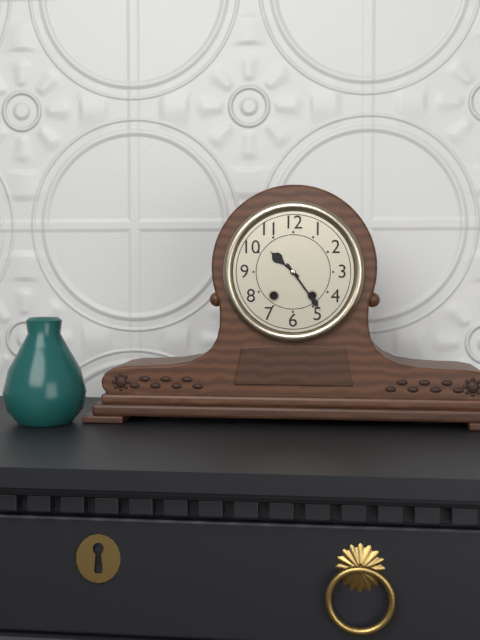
10:24
